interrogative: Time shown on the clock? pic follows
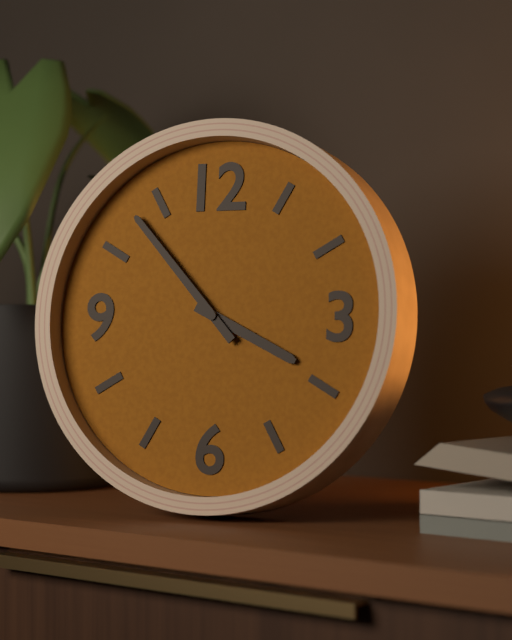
3:53
